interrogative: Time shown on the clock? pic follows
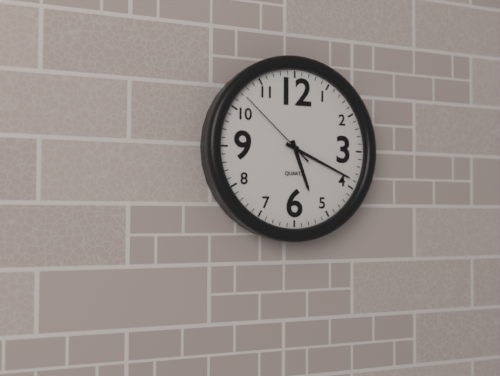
5:19:52
